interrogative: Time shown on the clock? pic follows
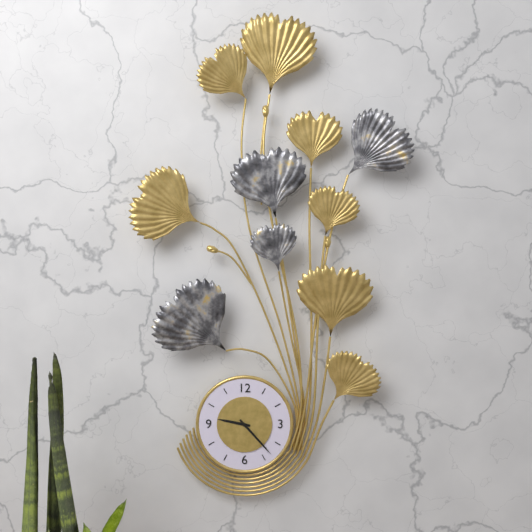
9:23
